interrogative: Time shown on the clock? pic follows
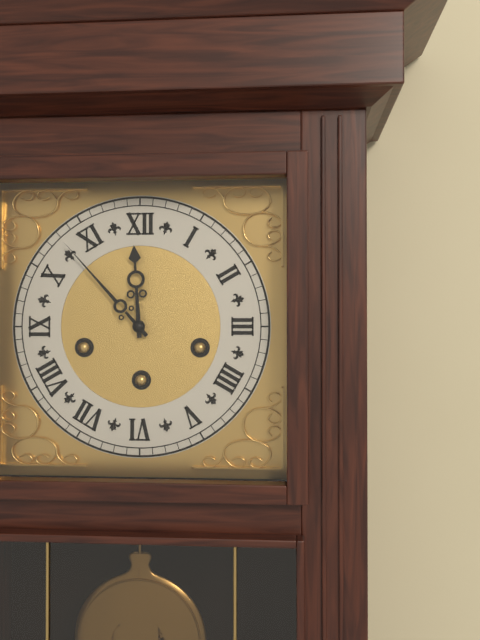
11:53
